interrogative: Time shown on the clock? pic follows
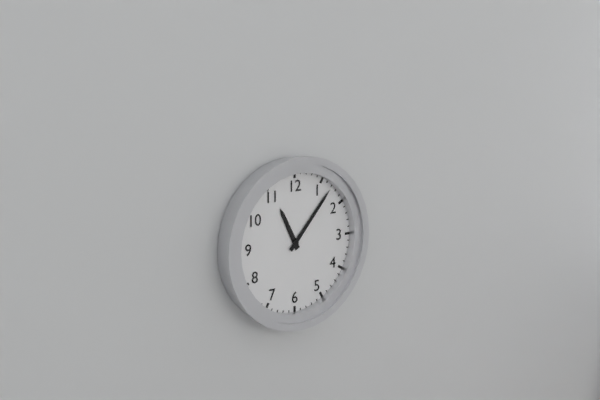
11:07
